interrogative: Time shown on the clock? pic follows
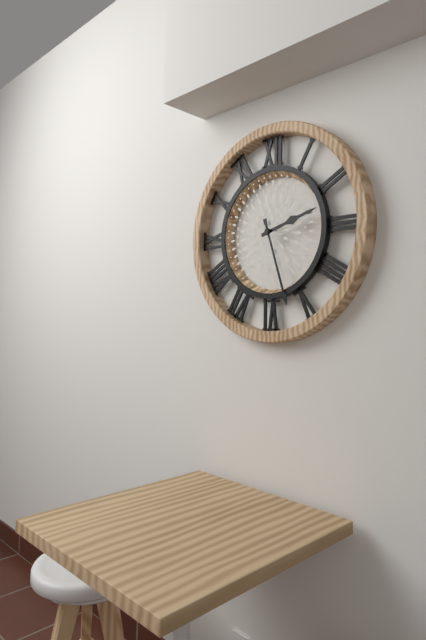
2:27
